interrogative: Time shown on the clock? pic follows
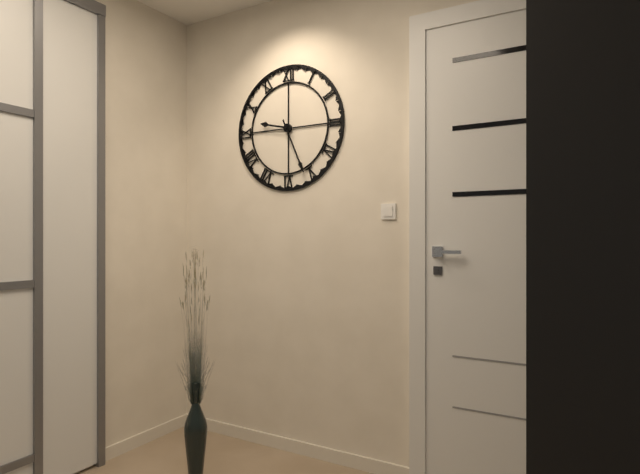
9:26
